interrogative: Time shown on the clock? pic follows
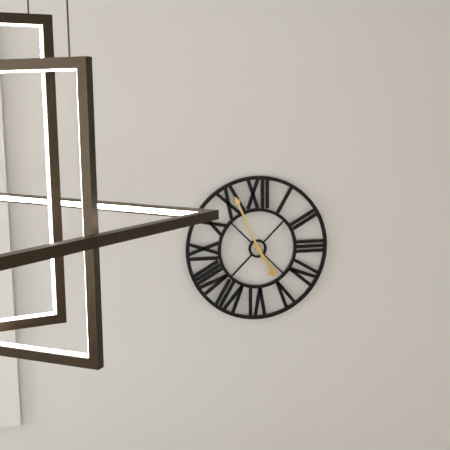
4:56
